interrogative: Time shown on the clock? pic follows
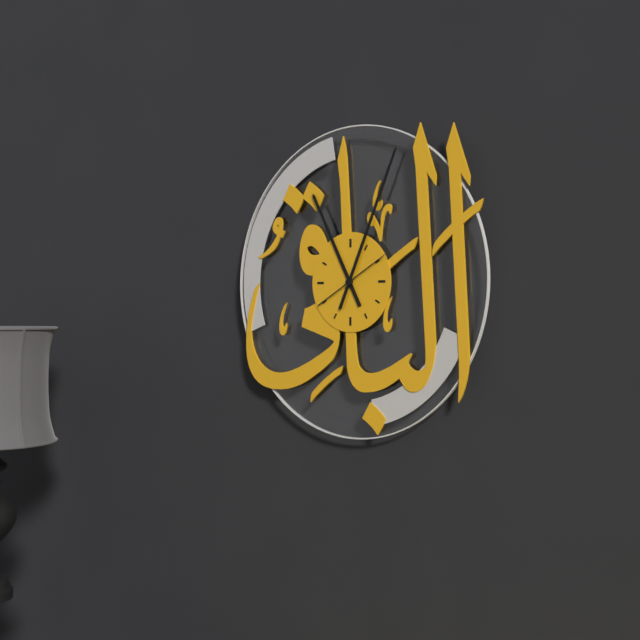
11:04
